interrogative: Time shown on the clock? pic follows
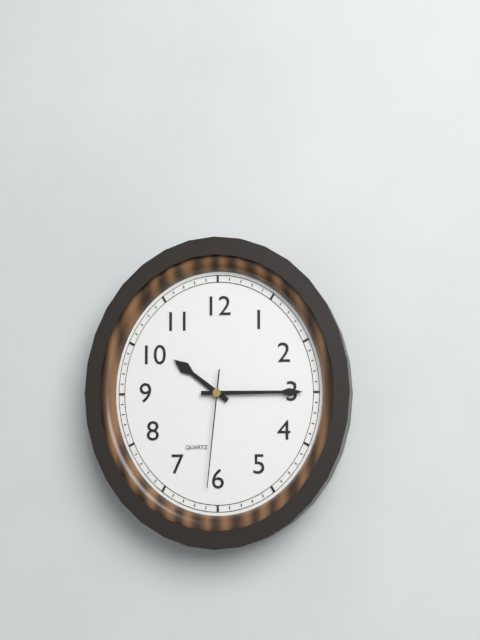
10:15:31
